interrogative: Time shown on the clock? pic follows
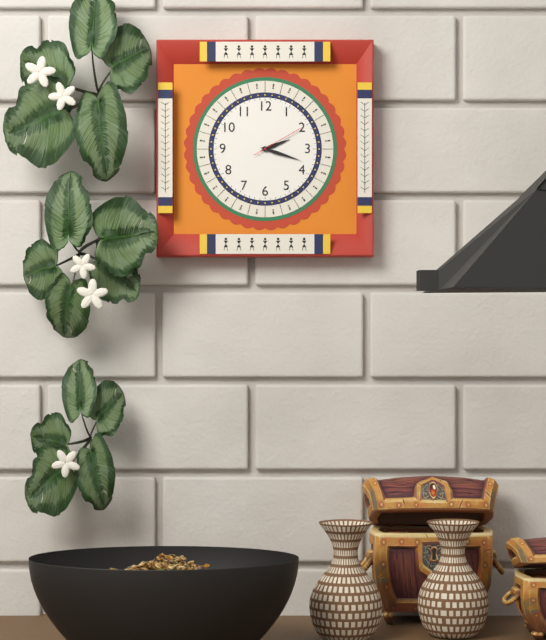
2:18:10
